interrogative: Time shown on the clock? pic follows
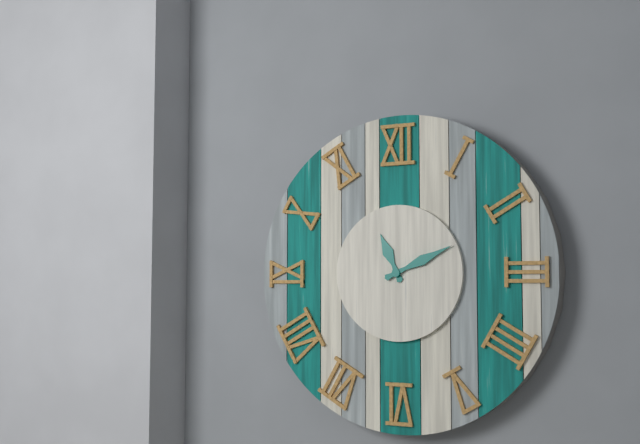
11:11
